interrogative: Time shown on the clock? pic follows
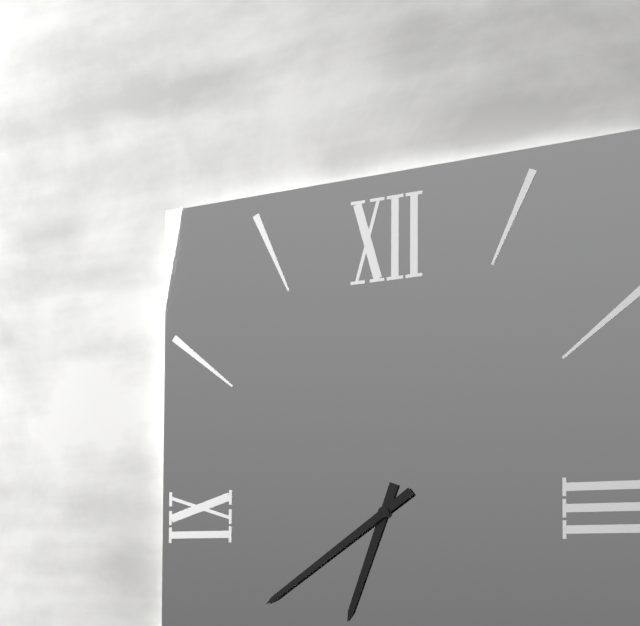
6:39
